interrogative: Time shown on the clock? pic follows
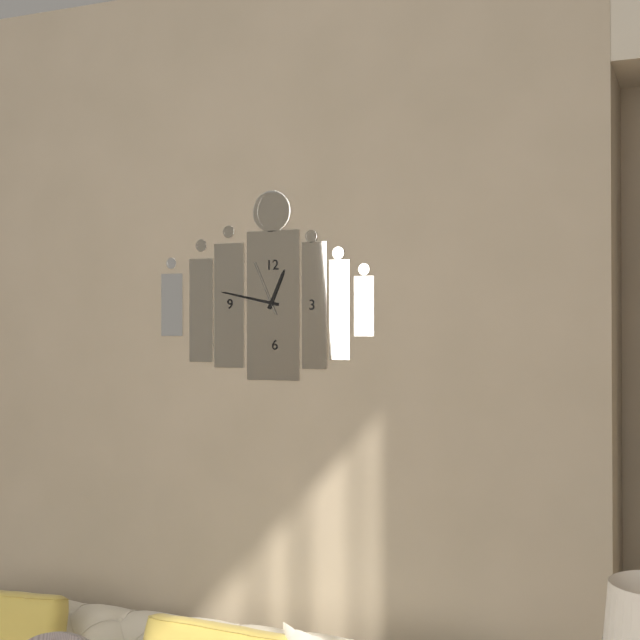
12:47:56
